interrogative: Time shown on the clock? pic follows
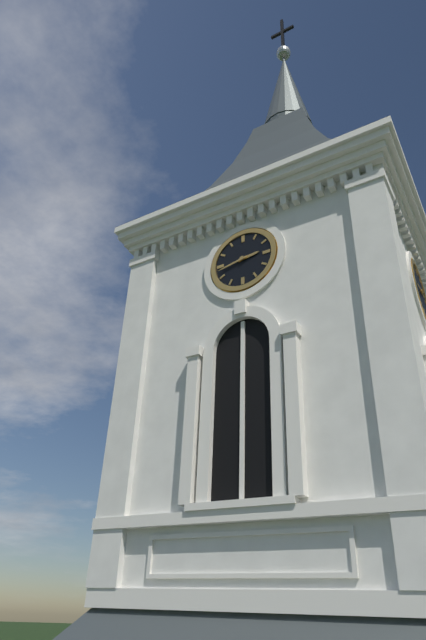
2:43
